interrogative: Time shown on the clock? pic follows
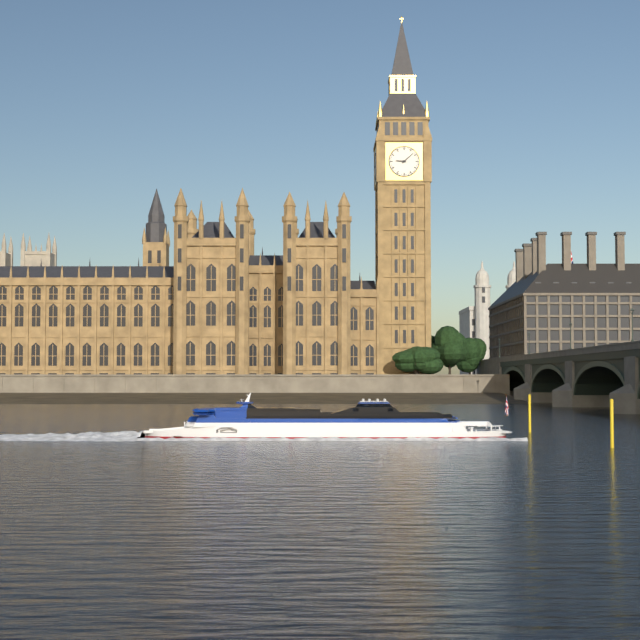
9:08
